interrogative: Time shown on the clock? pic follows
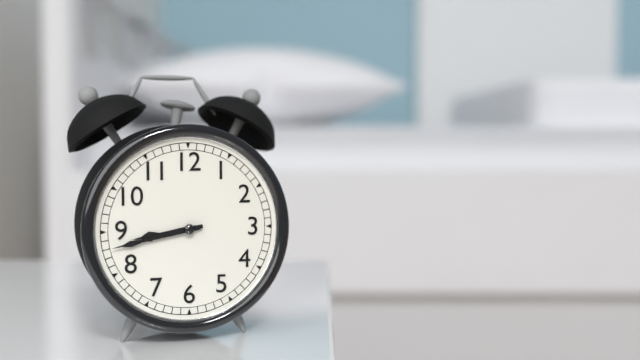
8:43
